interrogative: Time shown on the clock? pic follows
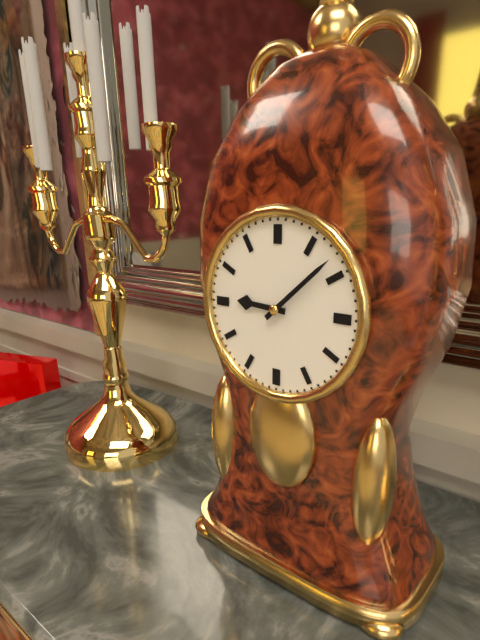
9:08
